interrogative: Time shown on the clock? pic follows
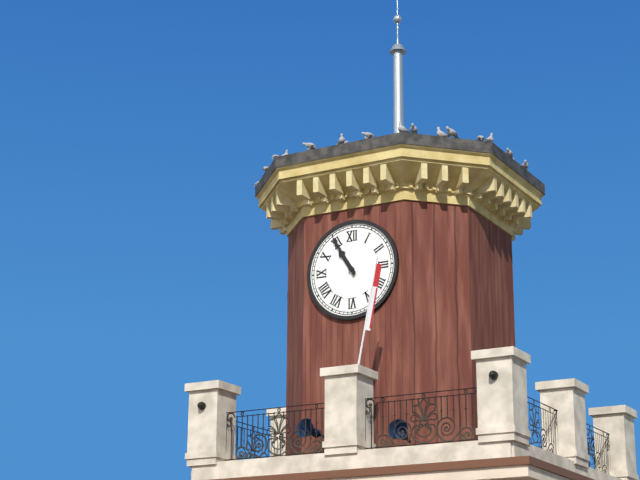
10:55
